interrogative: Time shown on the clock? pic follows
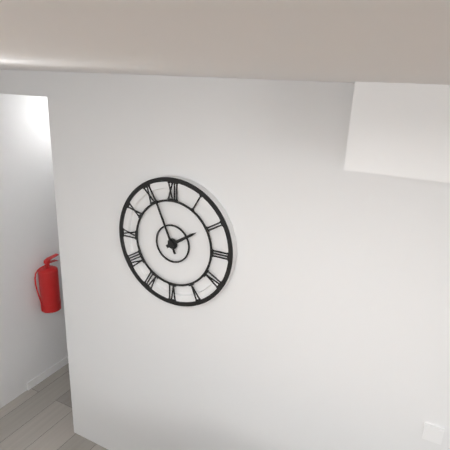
1:56
